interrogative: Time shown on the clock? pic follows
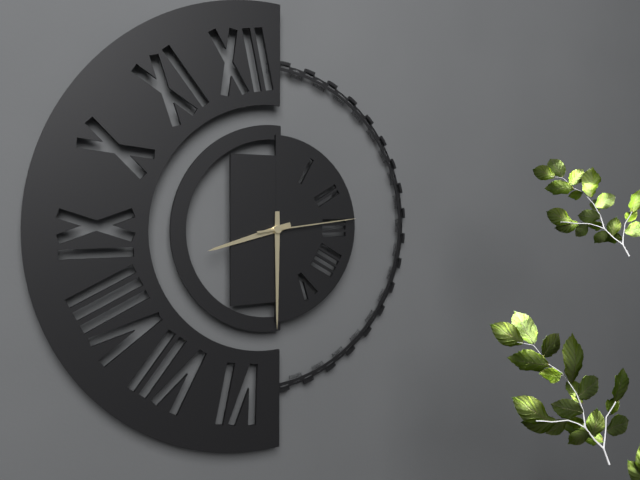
8:30:14
